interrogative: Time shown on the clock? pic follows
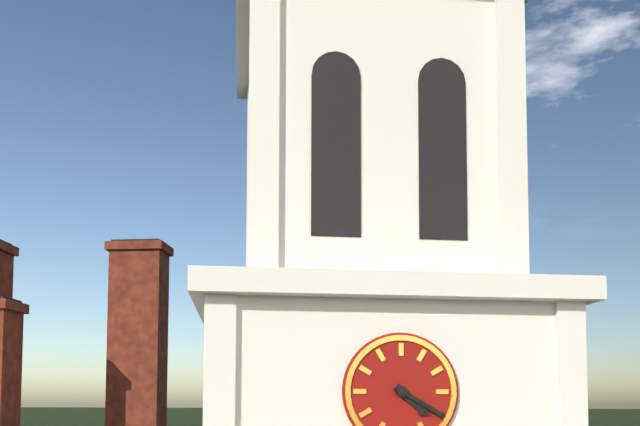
4:20
